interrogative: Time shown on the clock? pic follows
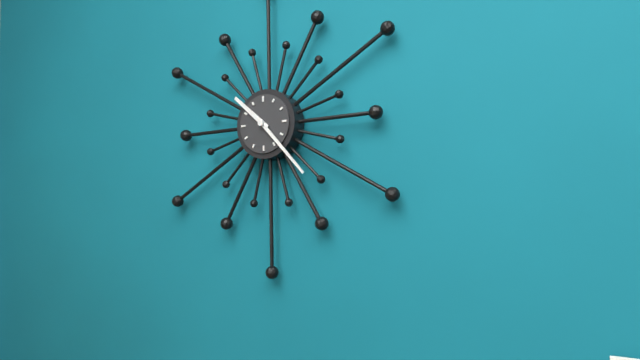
10:23
